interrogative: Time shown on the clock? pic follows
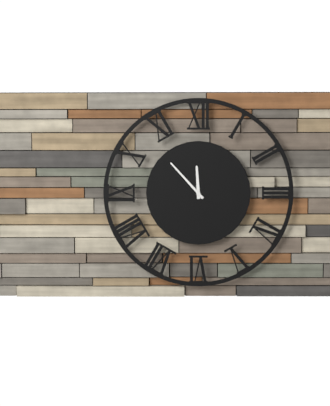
11:53
